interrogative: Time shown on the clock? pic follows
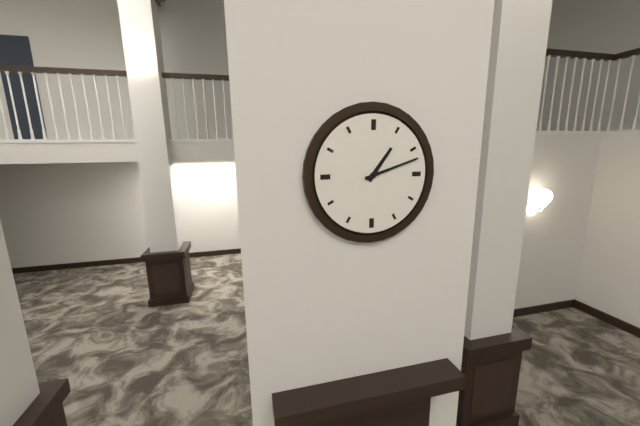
1:12
